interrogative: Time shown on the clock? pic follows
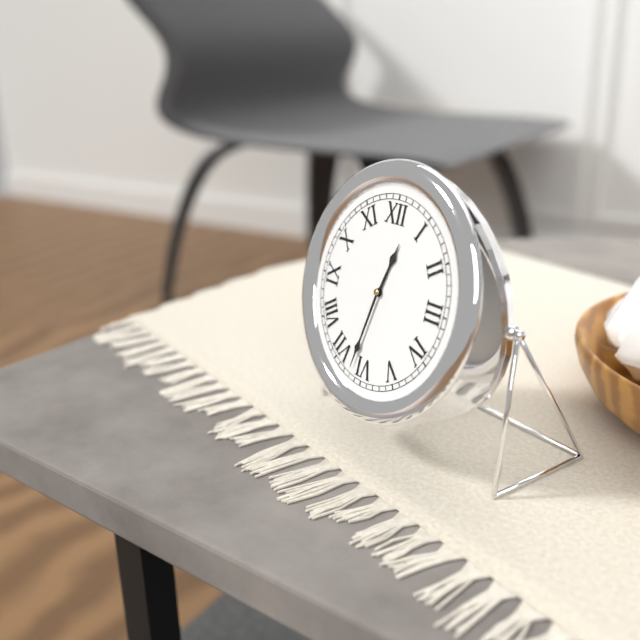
12:32
